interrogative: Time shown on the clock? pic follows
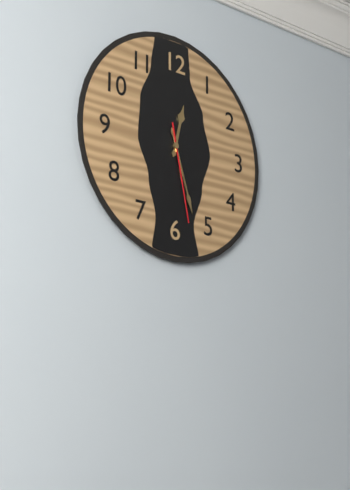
12:27:28
